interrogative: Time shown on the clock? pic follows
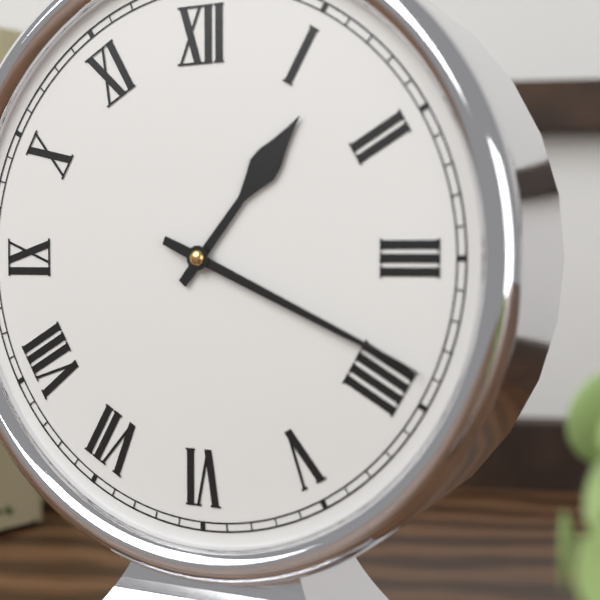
1:19
